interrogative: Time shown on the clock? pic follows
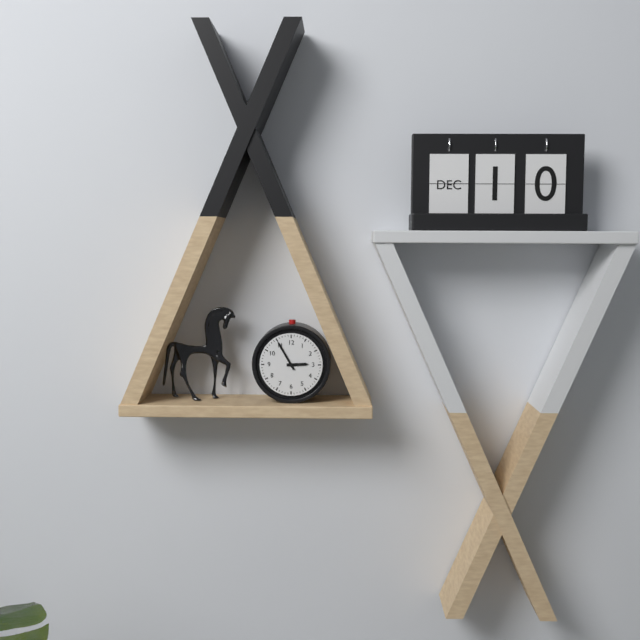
2:55
